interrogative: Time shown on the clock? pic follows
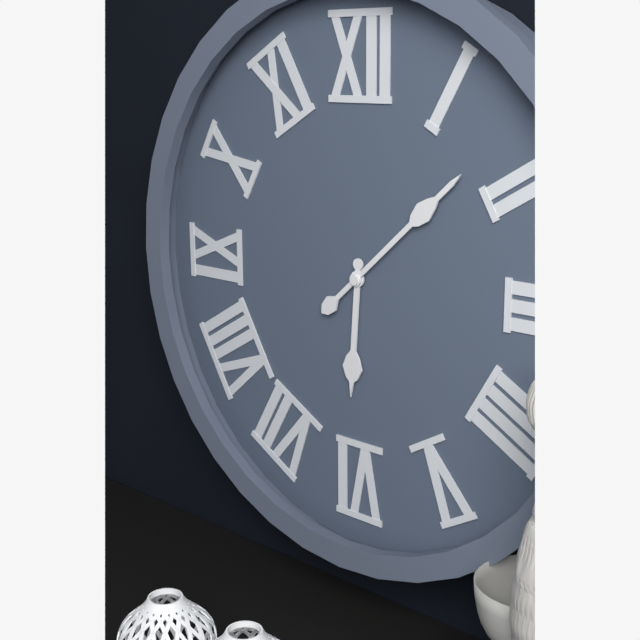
6:08
